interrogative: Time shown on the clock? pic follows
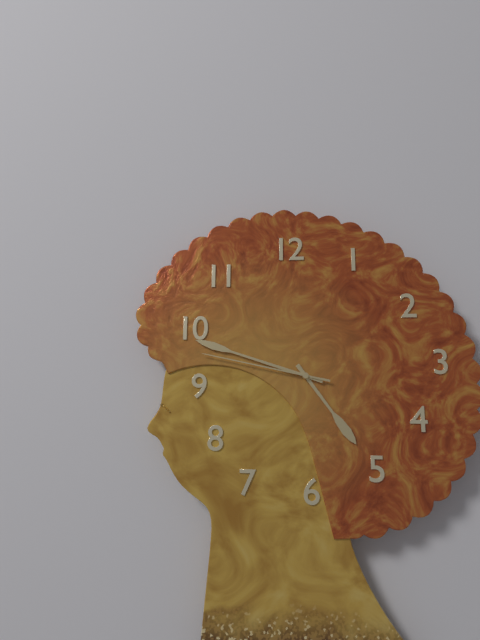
4:48:47
